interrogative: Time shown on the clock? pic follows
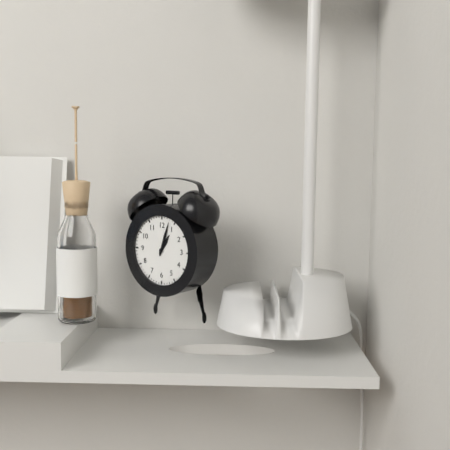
1:03
